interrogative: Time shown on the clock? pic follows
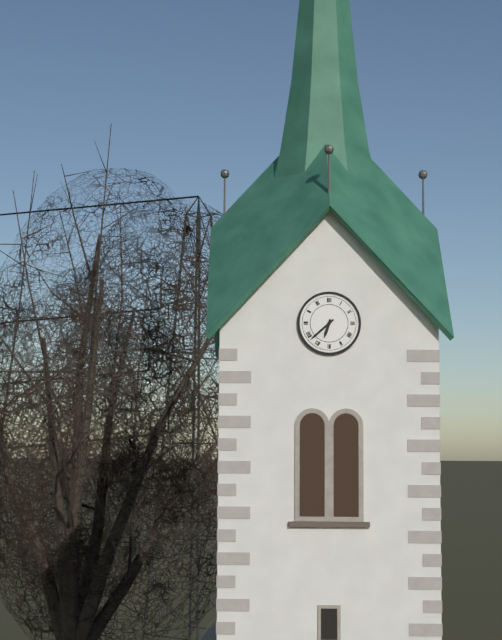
6:38
